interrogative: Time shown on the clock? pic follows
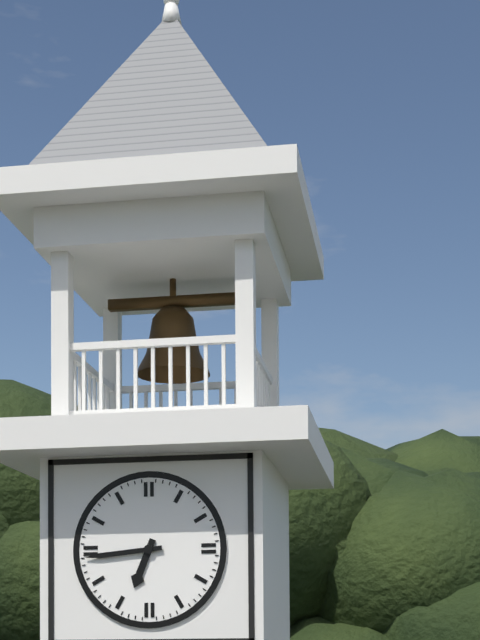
6:44
